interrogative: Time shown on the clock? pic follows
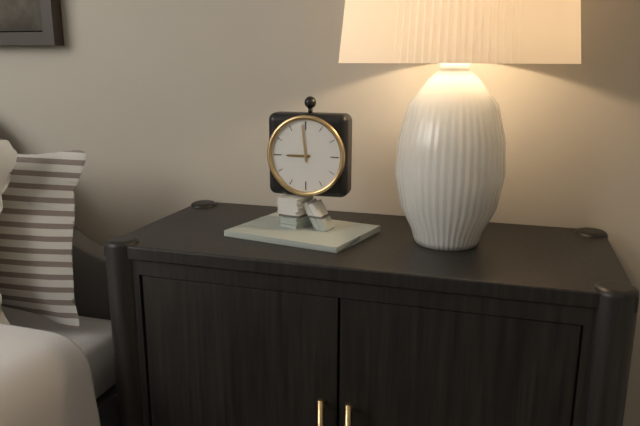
8:59
